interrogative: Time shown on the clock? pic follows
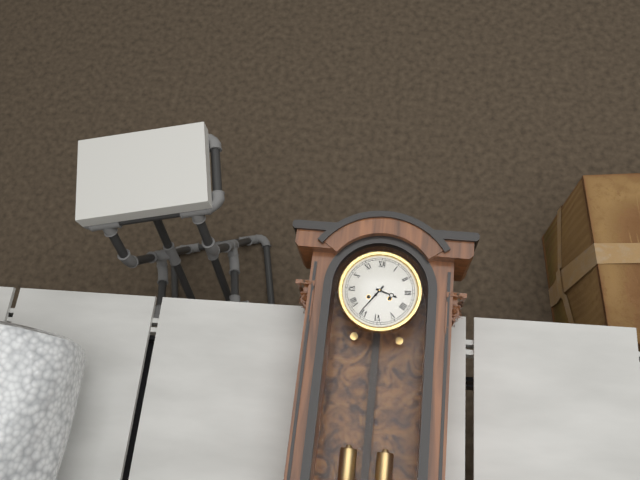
3:36
